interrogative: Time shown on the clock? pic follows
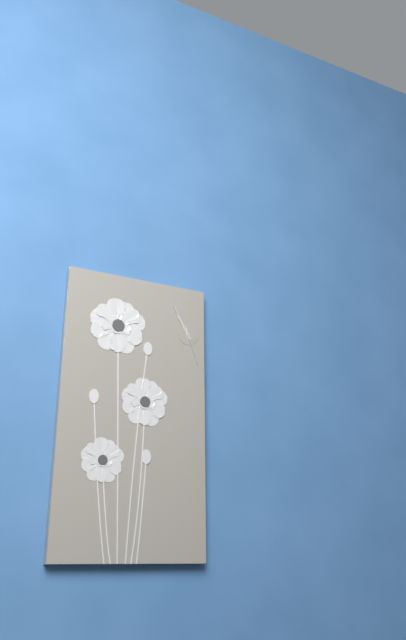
10:55
